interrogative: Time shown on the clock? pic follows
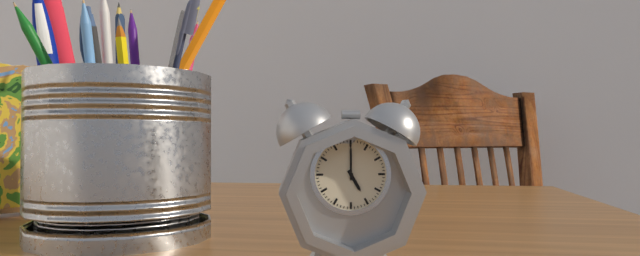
5:00
